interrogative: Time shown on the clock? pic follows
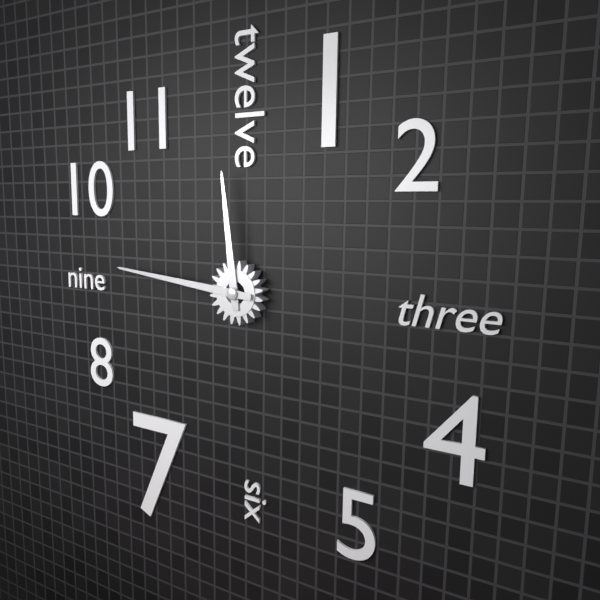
11:46
